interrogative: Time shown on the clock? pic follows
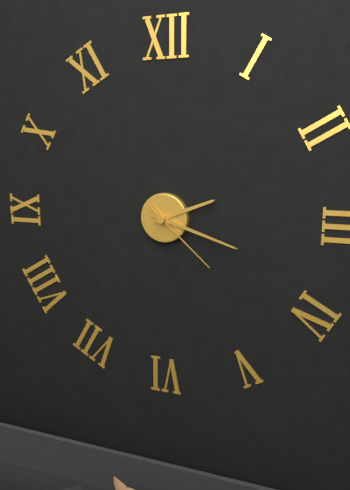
2:18:22
